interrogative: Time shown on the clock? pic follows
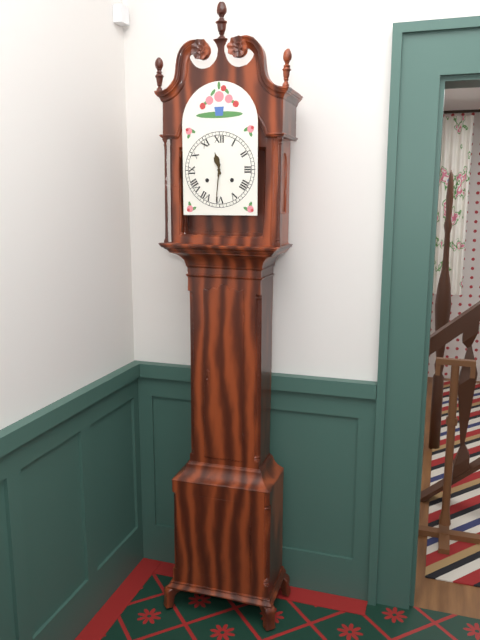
11:31
